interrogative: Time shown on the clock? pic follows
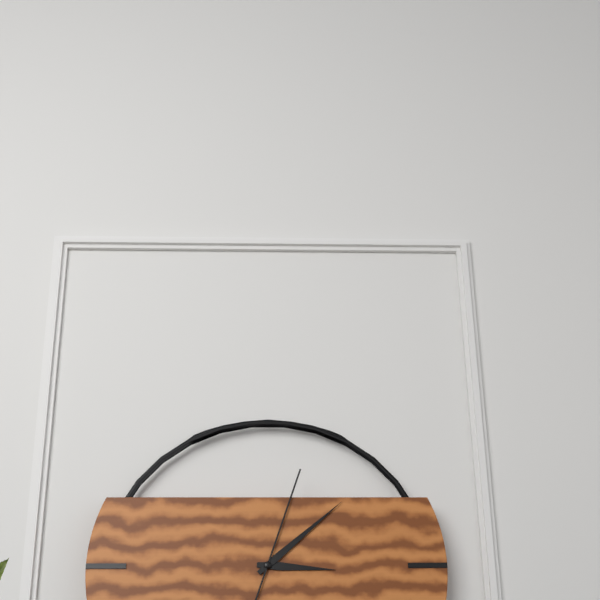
3:08:03
